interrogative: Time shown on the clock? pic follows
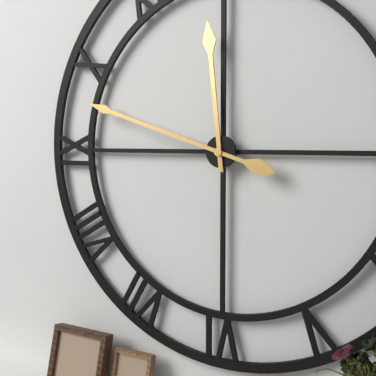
11:48
